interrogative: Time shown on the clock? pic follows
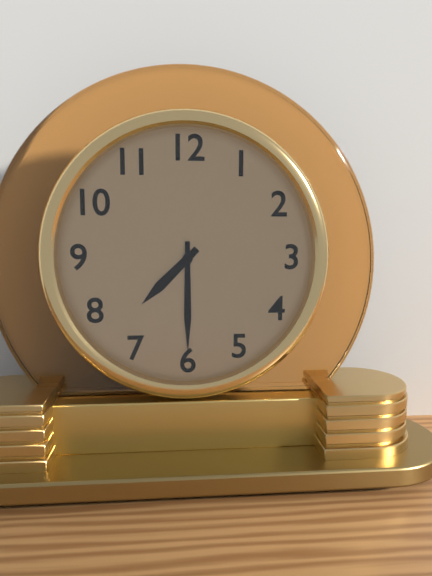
7:30
